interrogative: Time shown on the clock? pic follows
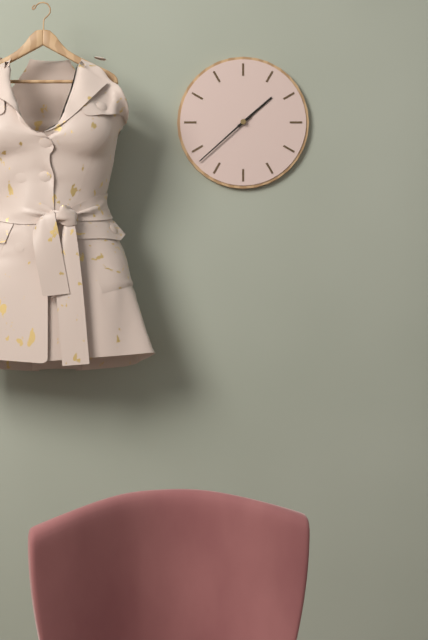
1:38
